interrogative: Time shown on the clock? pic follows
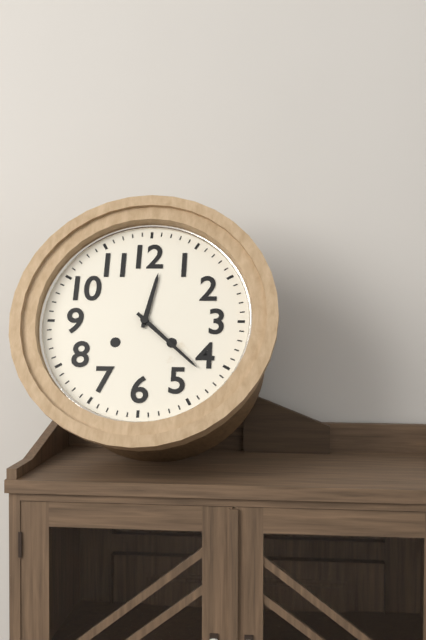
12:22
